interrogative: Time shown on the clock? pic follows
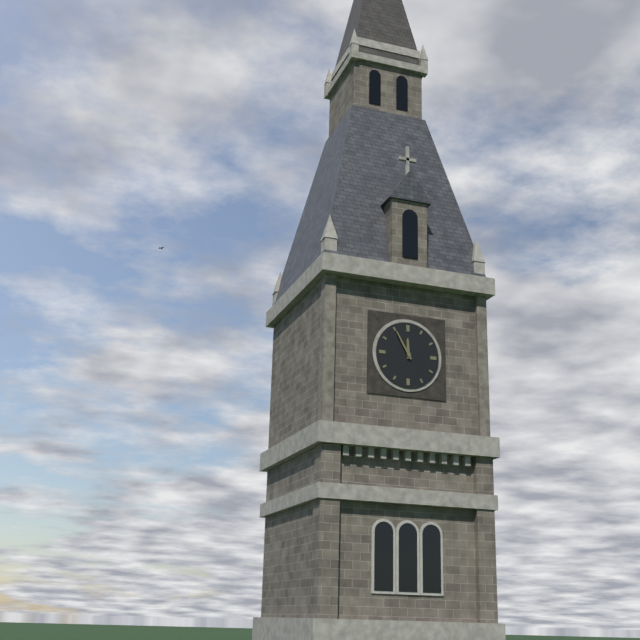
11:55
